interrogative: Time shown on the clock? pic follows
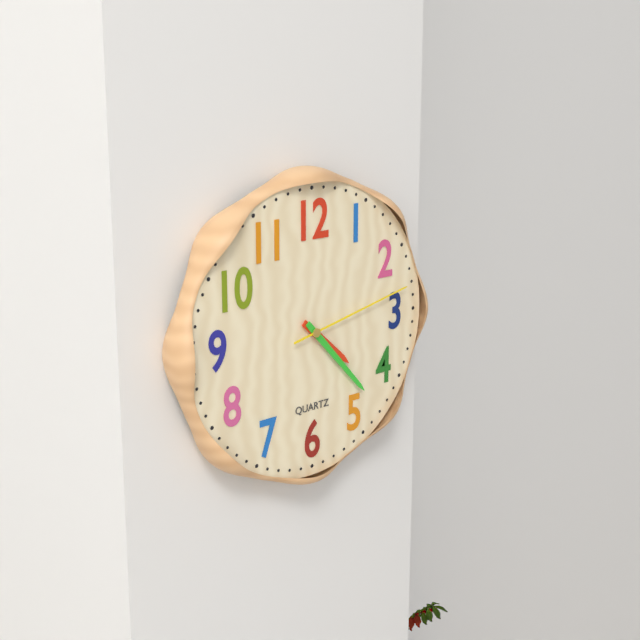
4:23:13
